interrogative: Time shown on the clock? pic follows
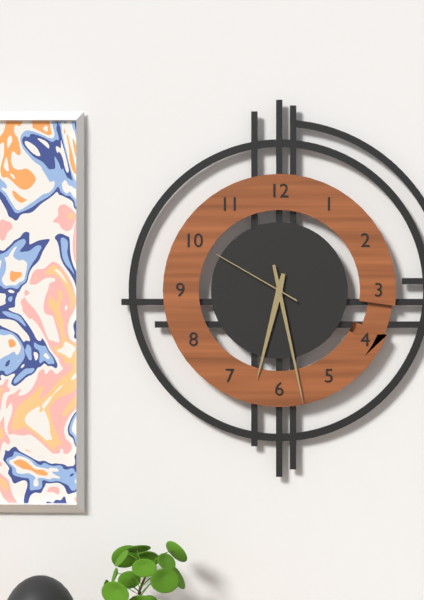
6:28:50
